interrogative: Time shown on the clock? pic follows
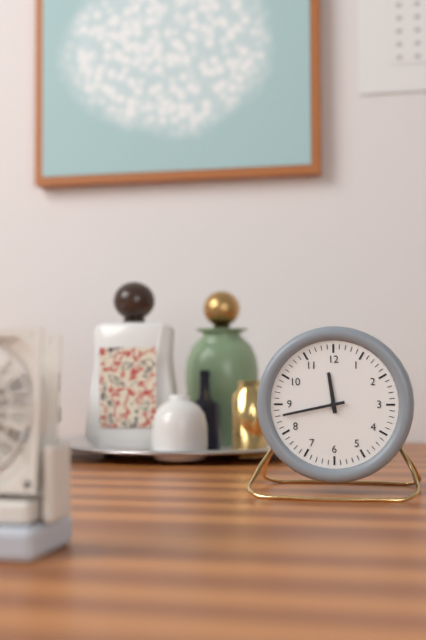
11:43
